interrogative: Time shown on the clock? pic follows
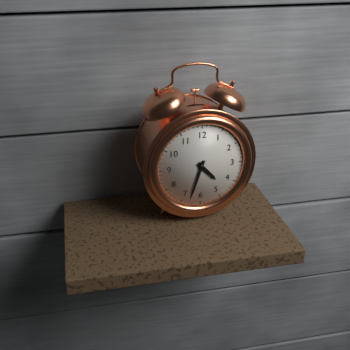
4:33
